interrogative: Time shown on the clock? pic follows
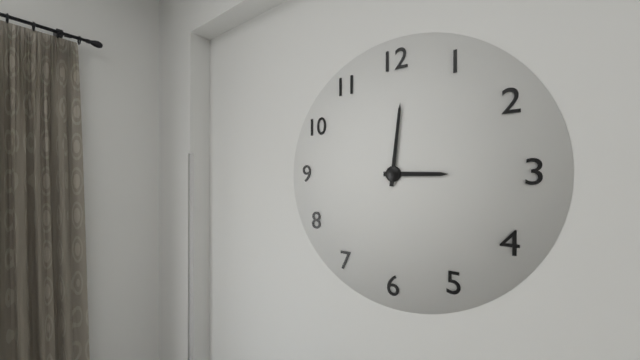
3:01
